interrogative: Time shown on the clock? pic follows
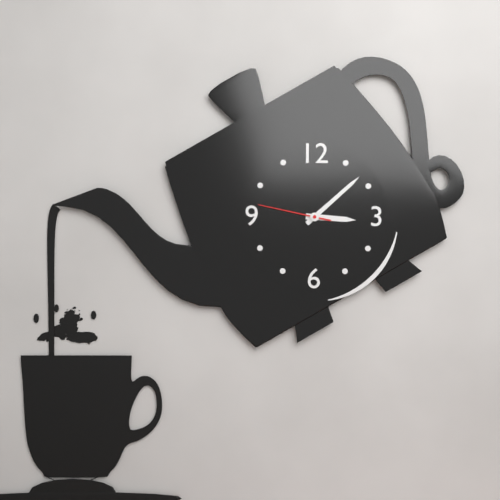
3:08:47
